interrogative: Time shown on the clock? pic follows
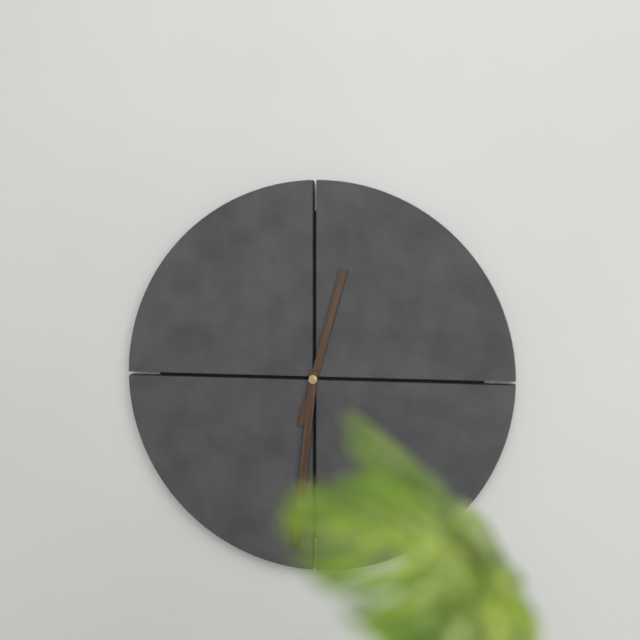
12:31
